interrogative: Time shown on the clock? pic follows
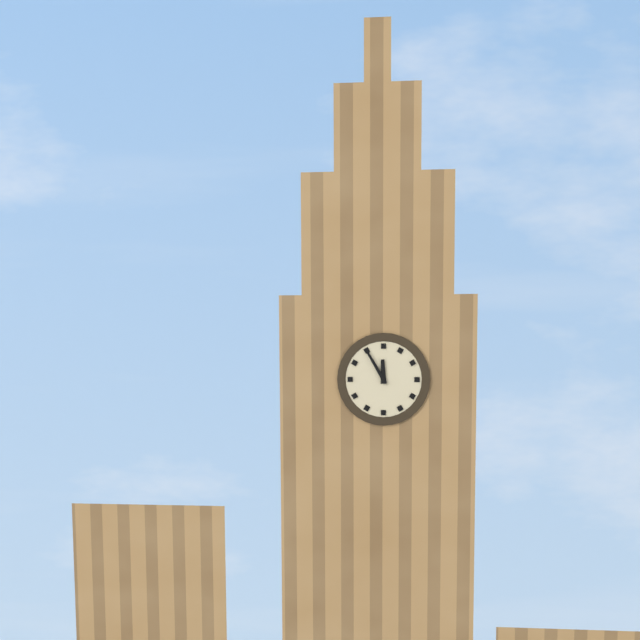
11:55
